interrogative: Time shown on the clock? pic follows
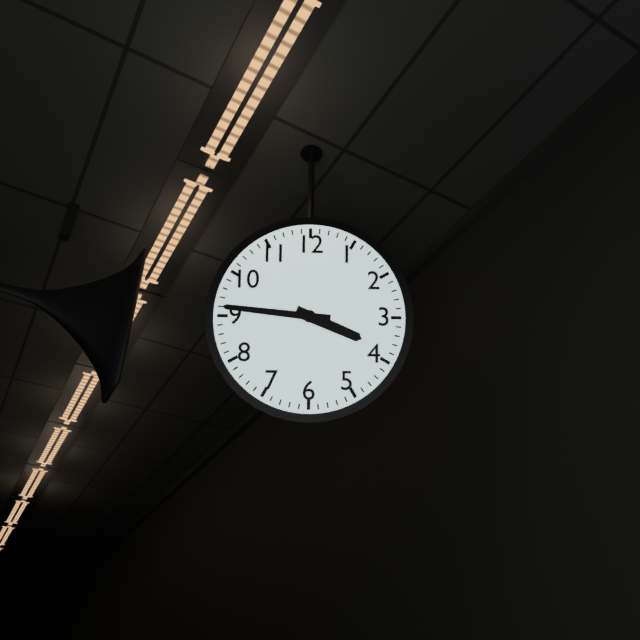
3:46
